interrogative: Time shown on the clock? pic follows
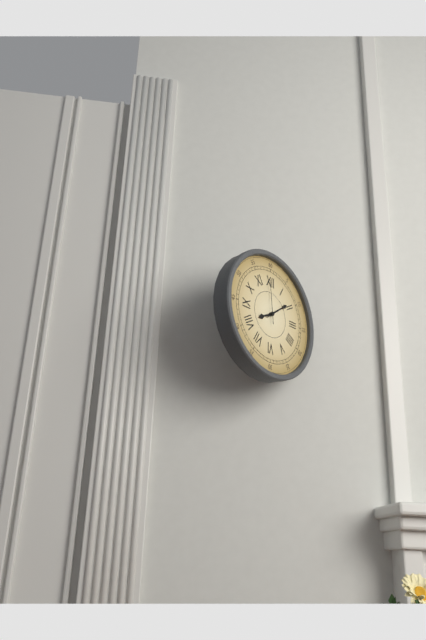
8:09
